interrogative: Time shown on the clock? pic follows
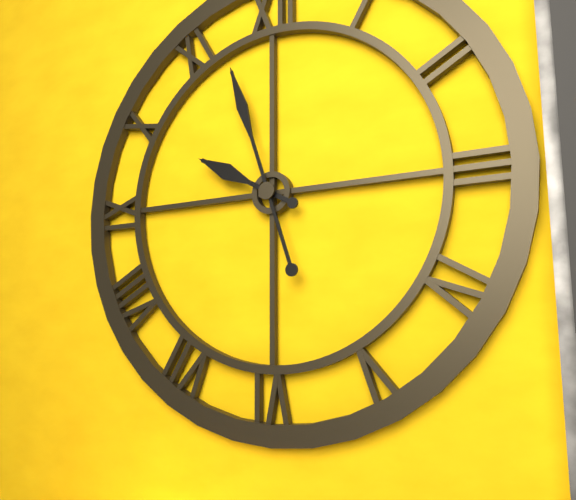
9:57
